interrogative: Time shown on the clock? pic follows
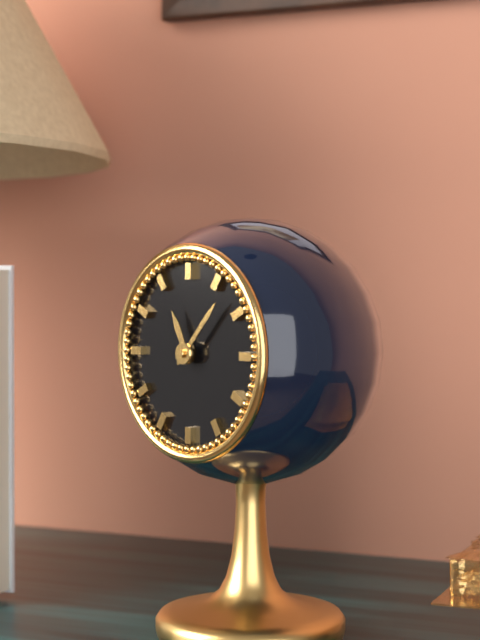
11:07
